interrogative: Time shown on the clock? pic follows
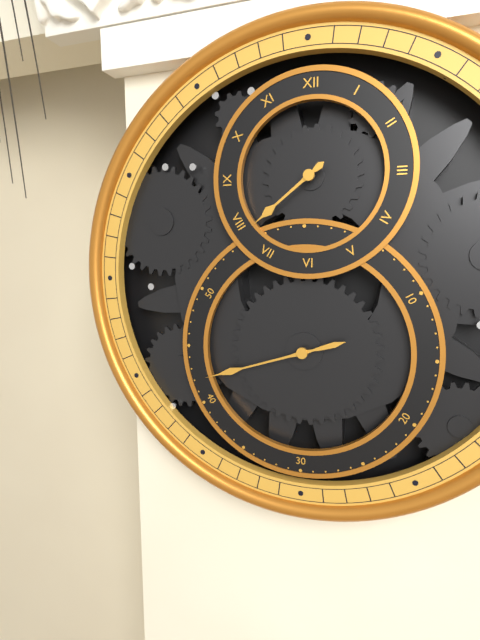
7:42
